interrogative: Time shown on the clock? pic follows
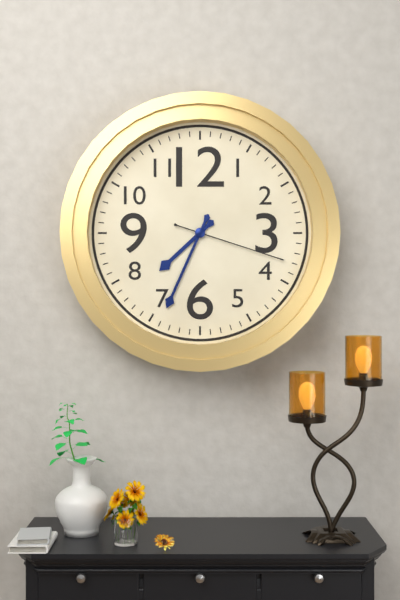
7:34:18
